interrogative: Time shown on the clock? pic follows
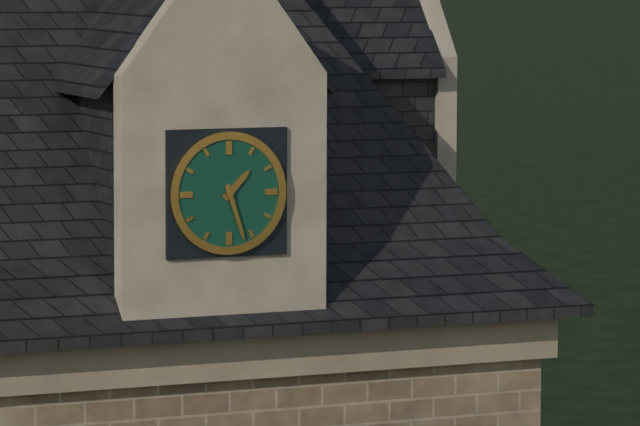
1:27
